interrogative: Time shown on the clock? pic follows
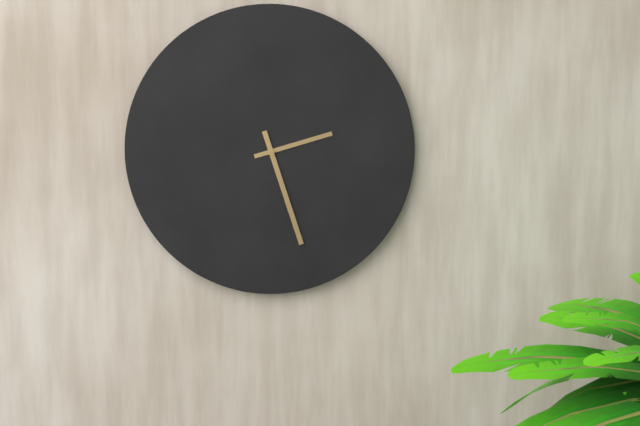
2:27
